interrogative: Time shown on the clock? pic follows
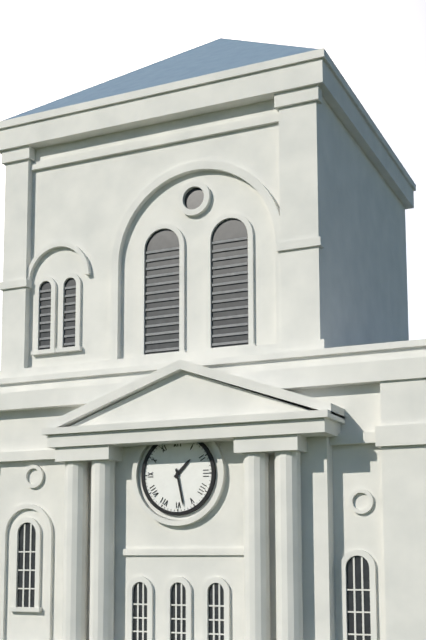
1:28
